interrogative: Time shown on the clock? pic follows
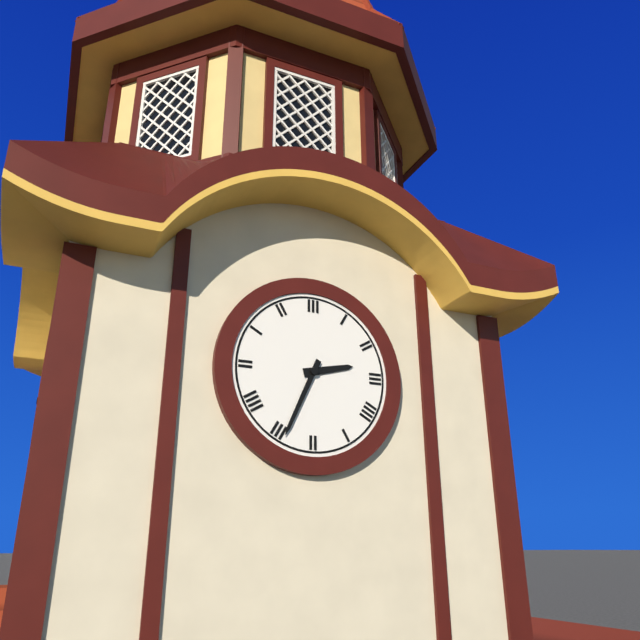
2:34
